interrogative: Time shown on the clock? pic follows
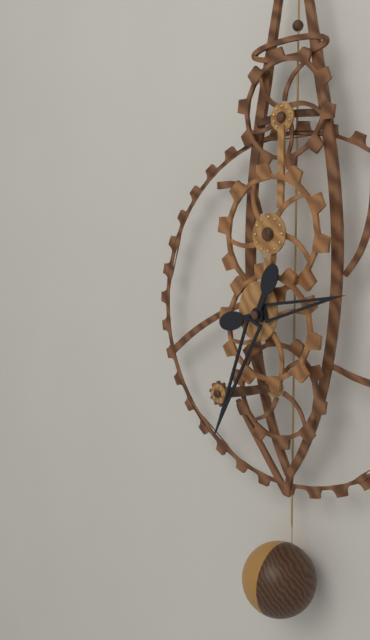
2:34
